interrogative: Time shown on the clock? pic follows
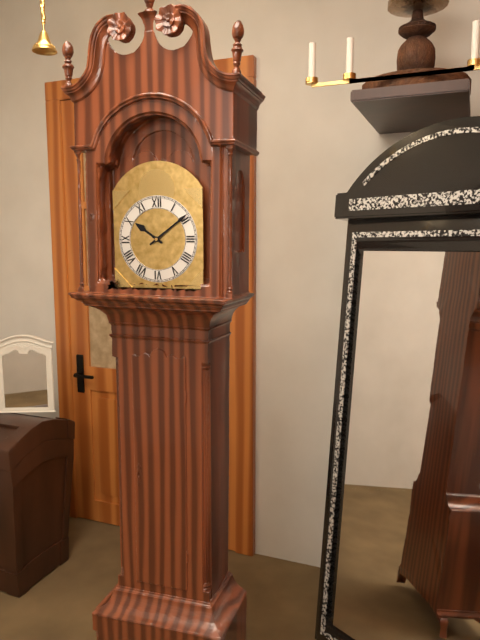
10:09
